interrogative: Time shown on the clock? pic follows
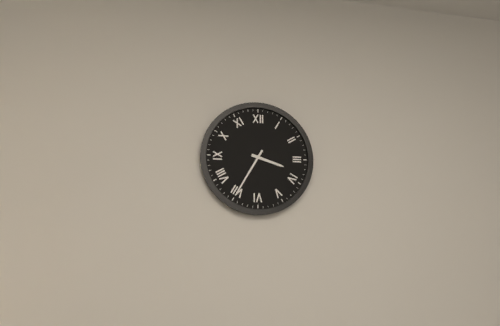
3:35
